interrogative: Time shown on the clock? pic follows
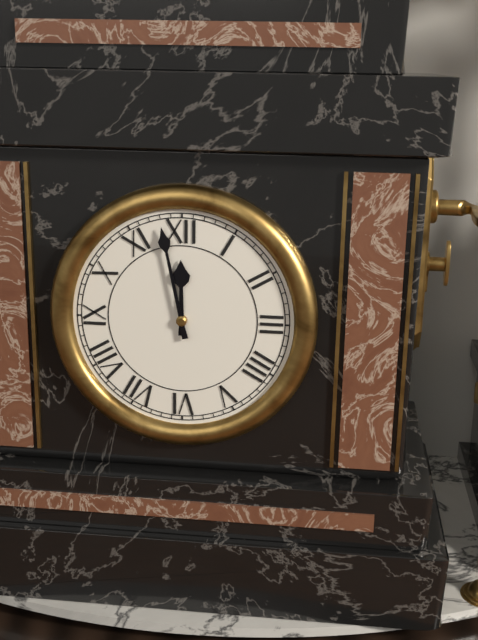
11:58
